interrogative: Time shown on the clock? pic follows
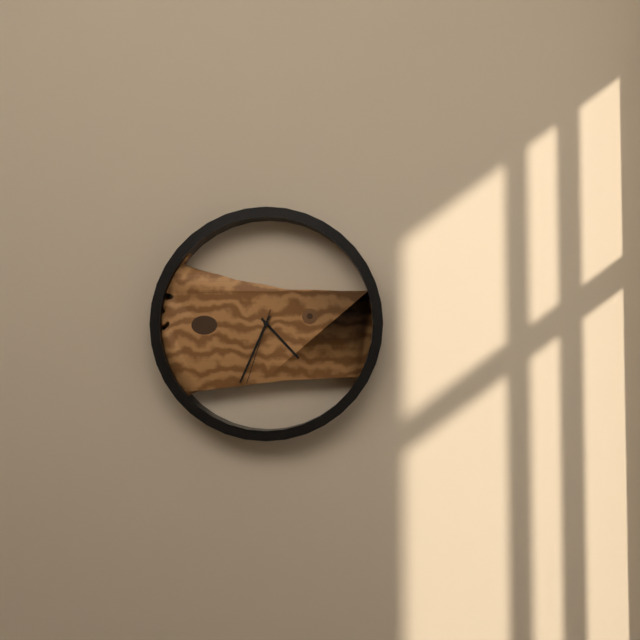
4:34:33
